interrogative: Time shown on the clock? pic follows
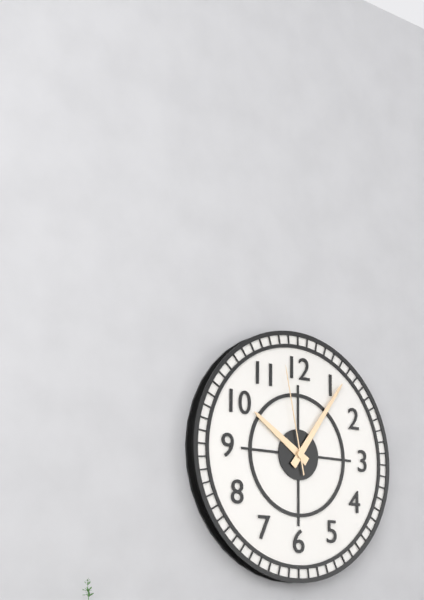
10:06:58
